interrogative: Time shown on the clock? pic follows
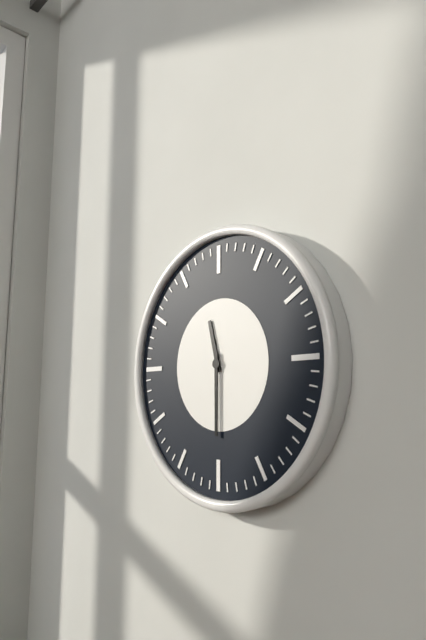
11:30
